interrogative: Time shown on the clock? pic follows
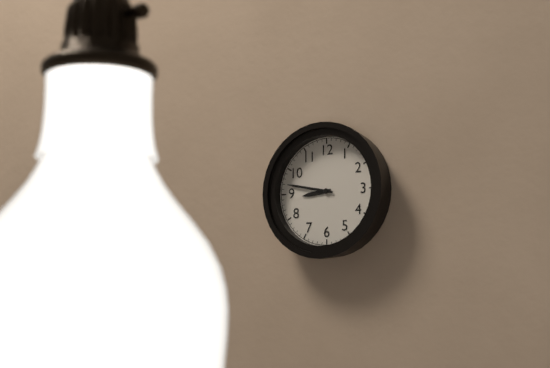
8:47
